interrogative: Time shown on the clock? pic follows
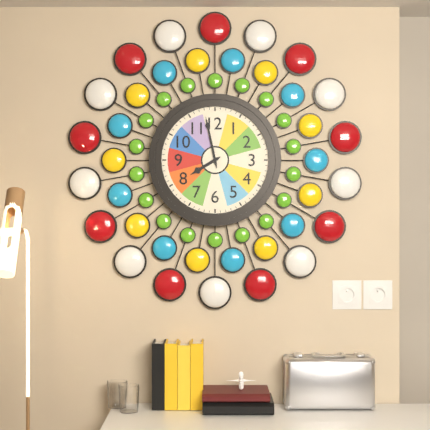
7:58
